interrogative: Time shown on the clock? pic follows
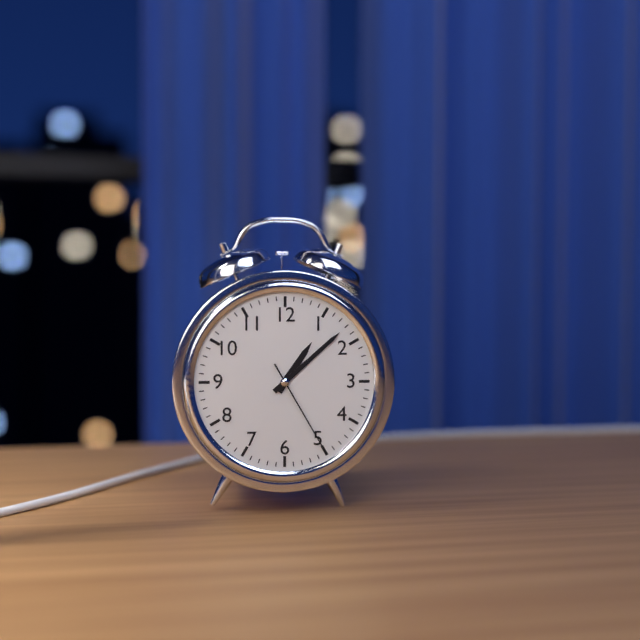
1:08:25
